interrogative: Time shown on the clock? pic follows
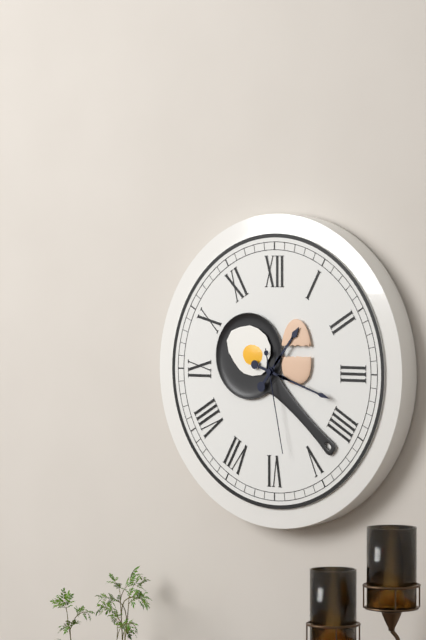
1:18:28
